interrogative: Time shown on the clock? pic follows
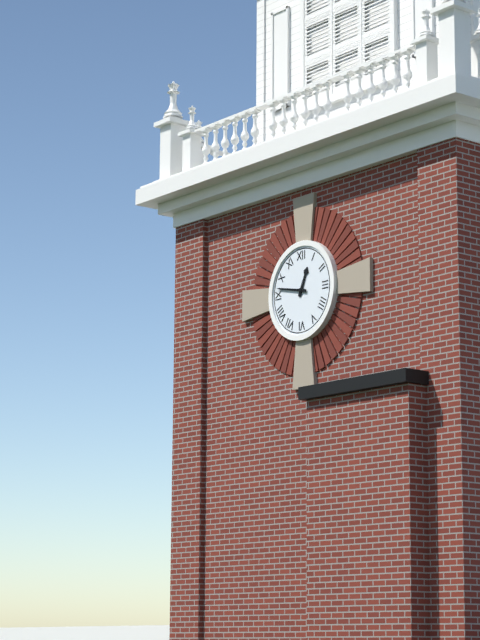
12:47
